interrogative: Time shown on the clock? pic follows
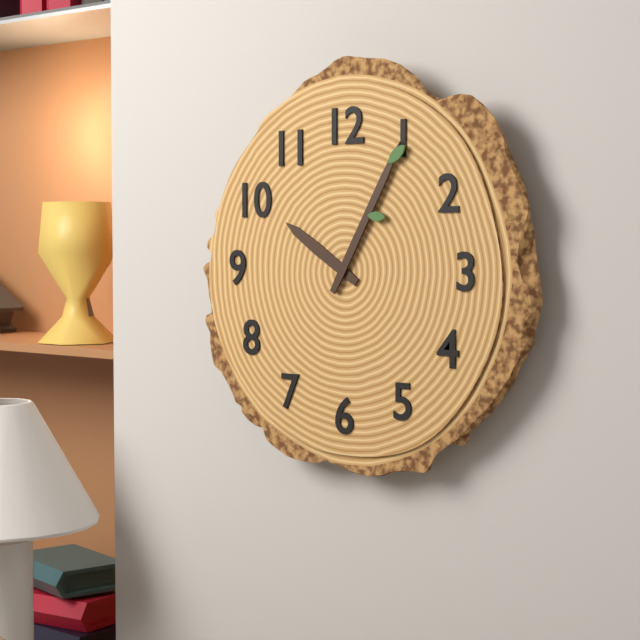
10:05
